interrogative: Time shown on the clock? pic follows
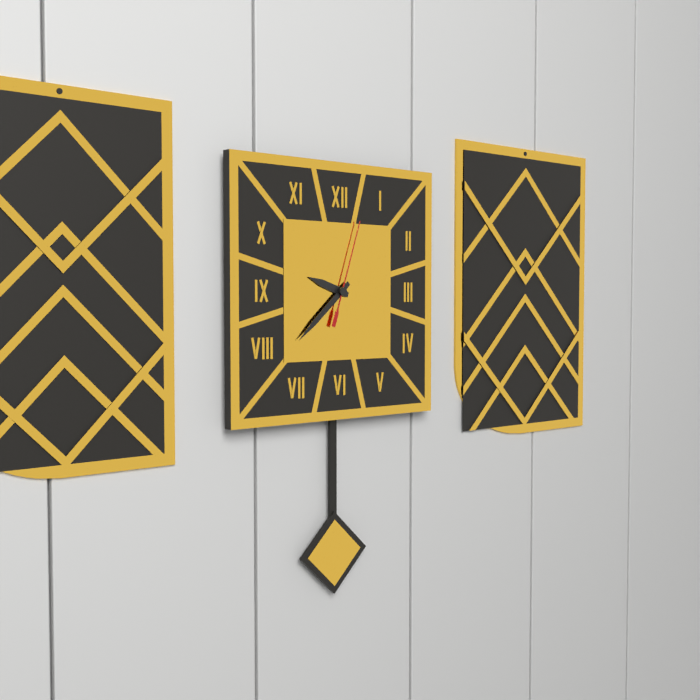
9:38:03
